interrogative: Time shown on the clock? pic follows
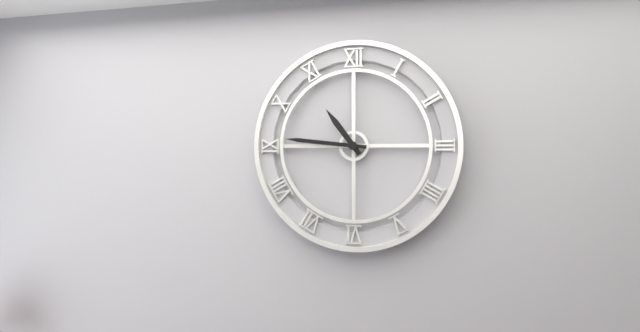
10:46
